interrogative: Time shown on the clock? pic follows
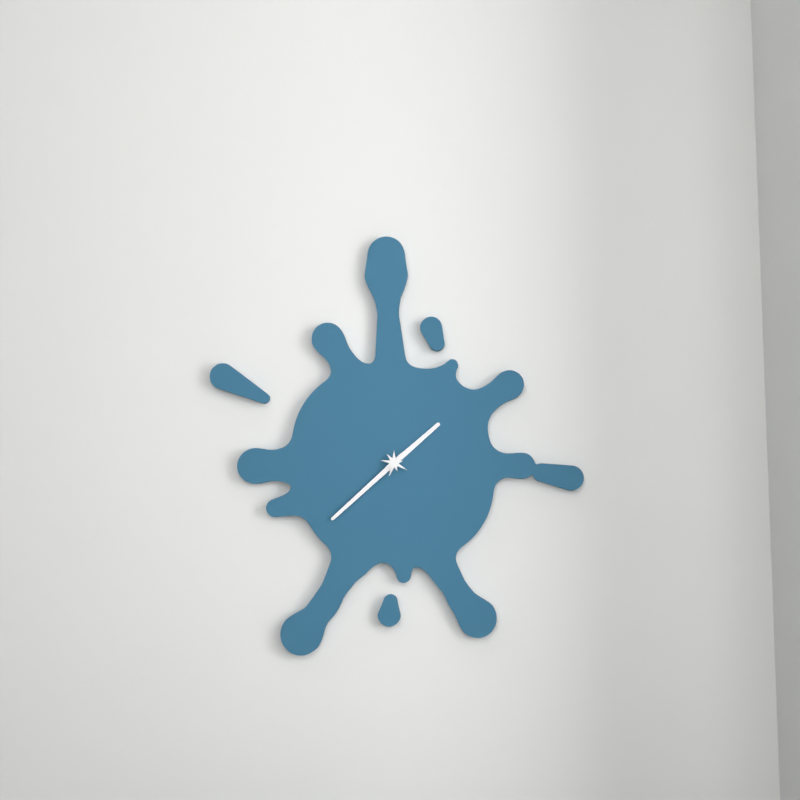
1:38
